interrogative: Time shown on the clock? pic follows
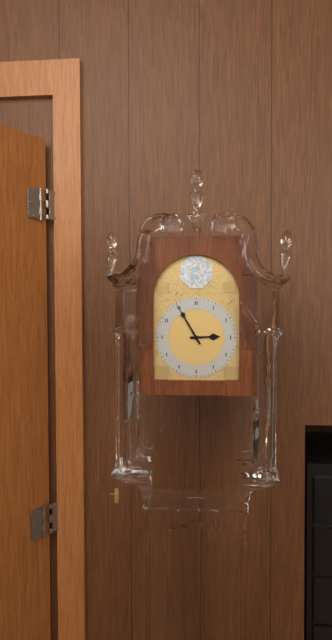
2:55
